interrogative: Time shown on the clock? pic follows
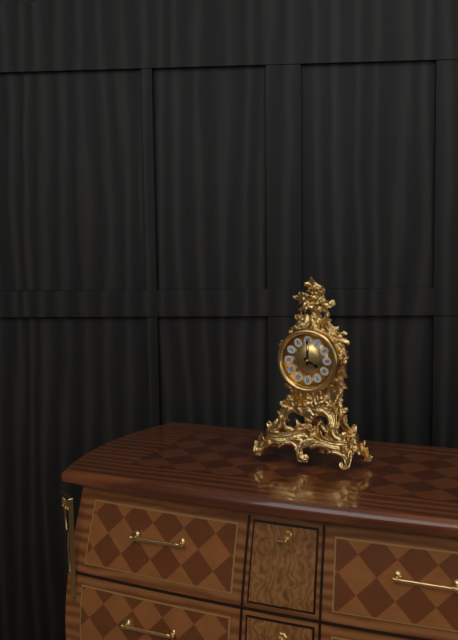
4:00
